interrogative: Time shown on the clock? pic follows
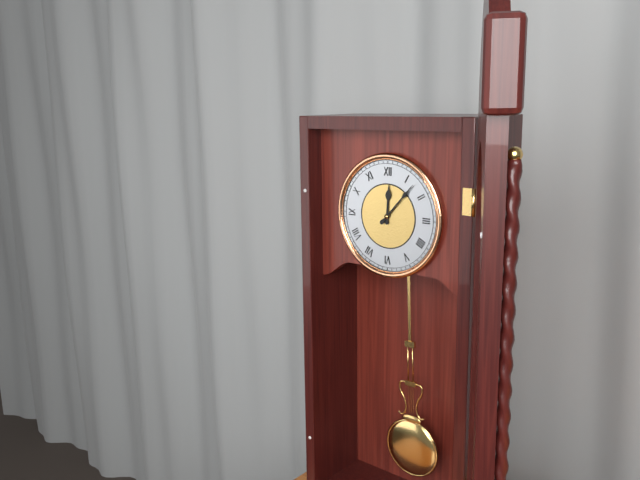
12:07
